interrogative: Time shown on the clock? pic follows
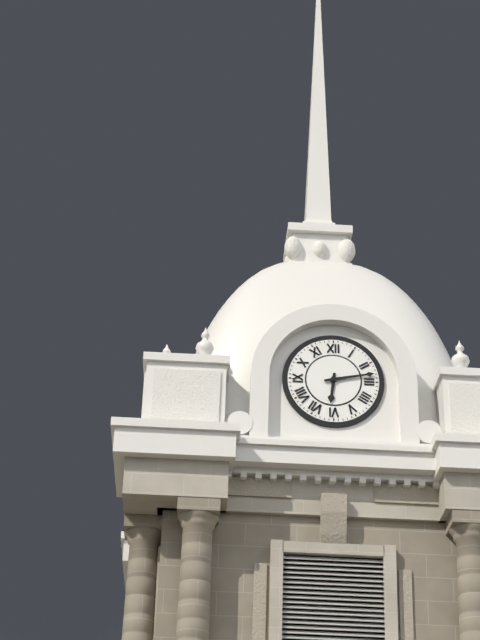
6:13
